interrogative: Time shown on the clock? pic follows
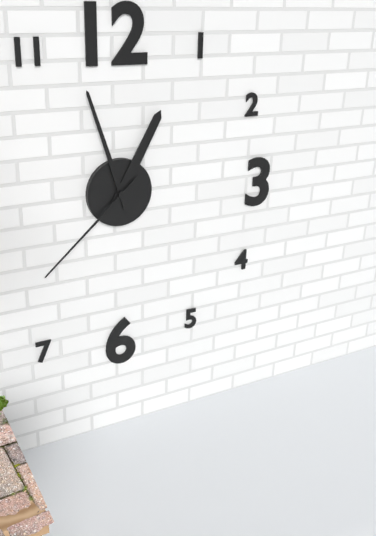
12:57:38
